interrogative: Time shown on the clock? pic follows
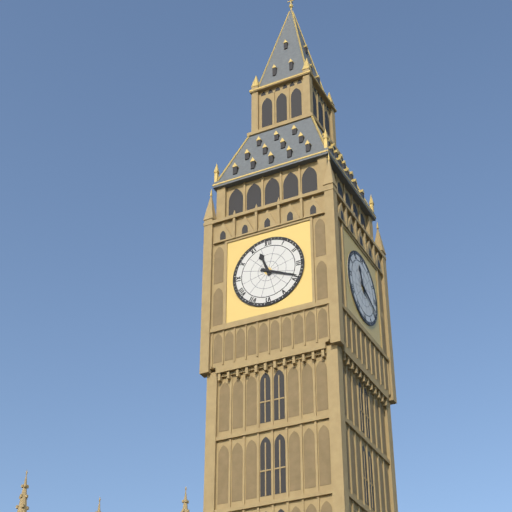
11:19
